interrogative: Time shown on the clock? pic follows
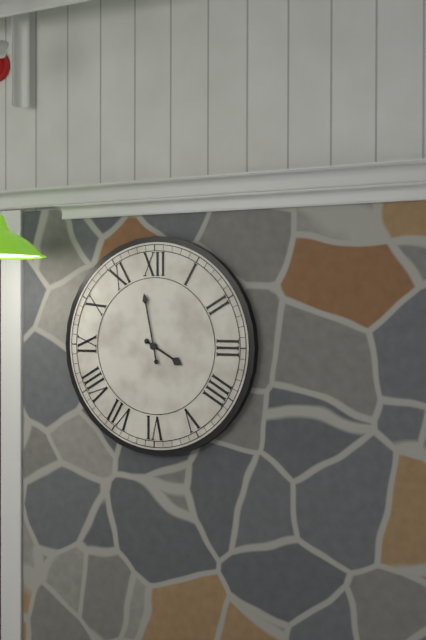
3:58
